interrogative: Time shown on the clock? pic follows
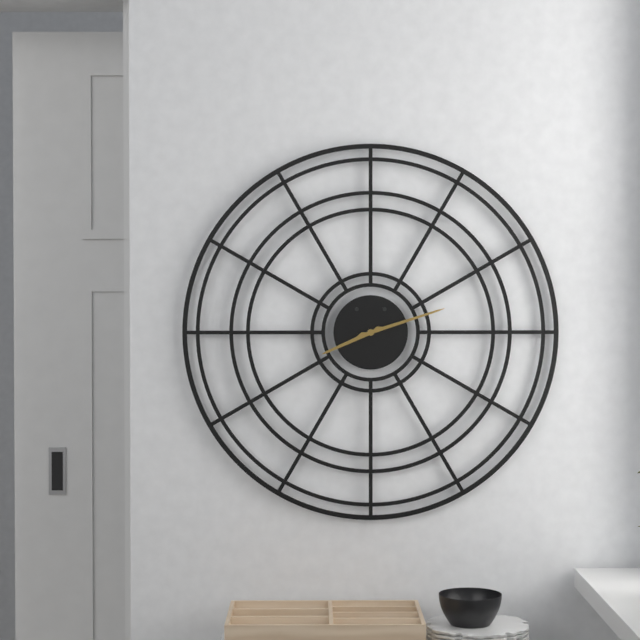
8:12
